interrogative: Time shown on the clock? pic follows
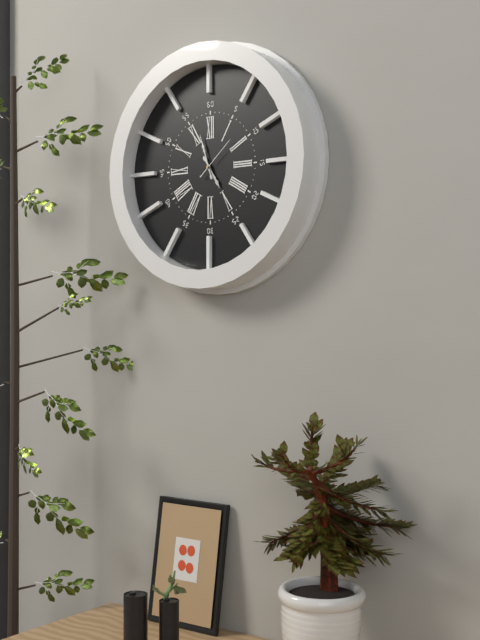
4:57
